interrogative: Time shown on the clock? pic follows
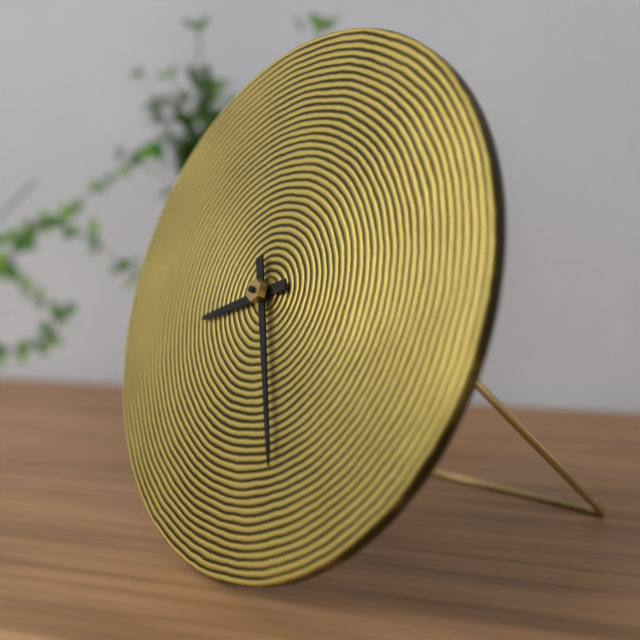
8:26
